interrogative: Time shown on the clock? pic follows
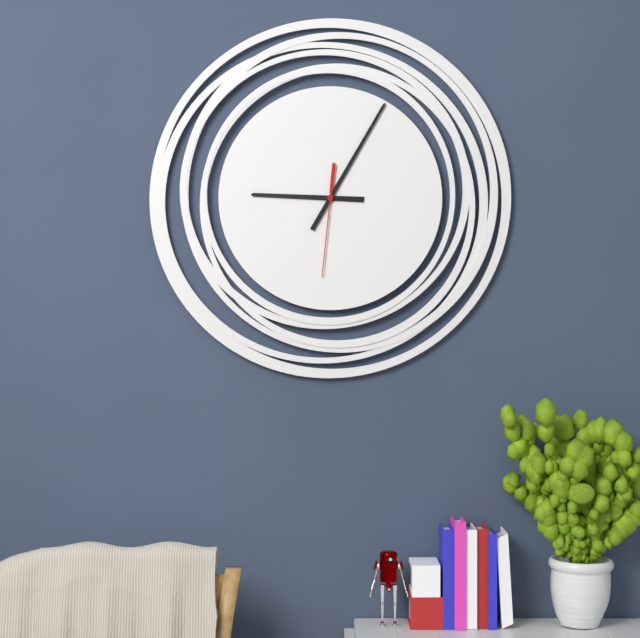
9:05:31
